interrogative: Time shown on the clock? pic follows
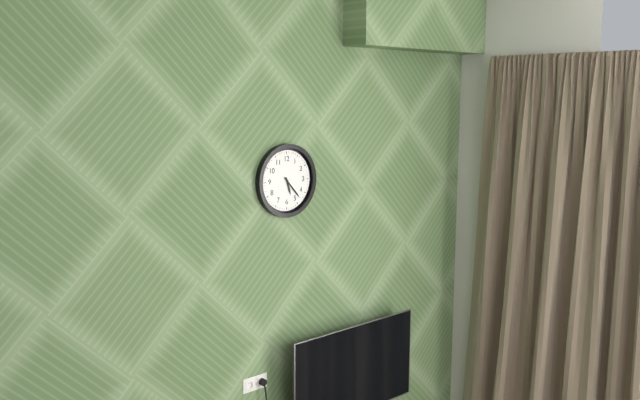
5:23
